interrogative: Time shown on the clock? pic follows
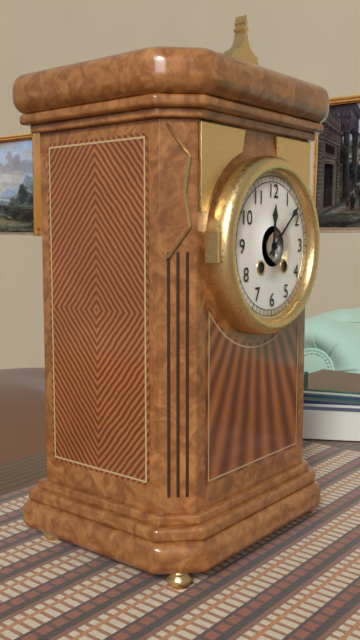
12:08
